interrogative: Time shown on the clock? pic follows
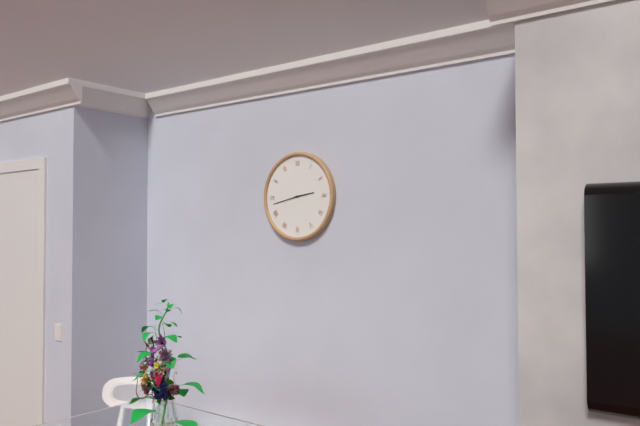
2:43
